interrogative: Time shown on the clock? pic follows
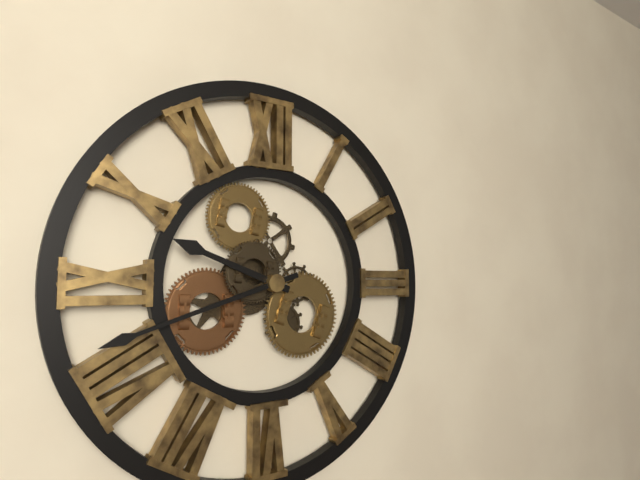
9:42
